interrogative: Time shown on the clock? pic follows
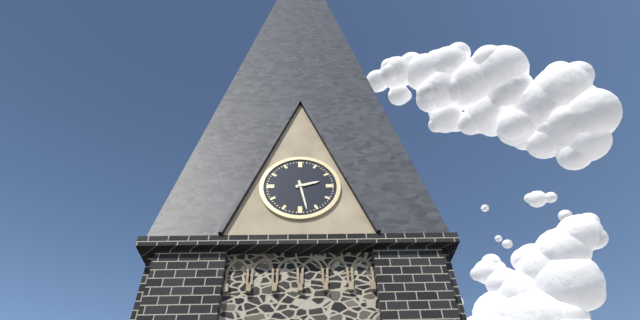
2:28
